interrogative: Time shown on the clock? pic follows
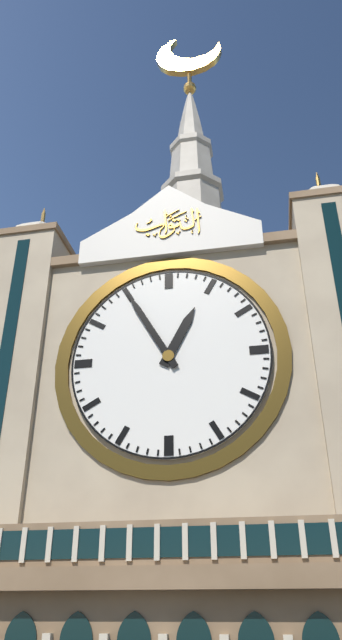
12:55
